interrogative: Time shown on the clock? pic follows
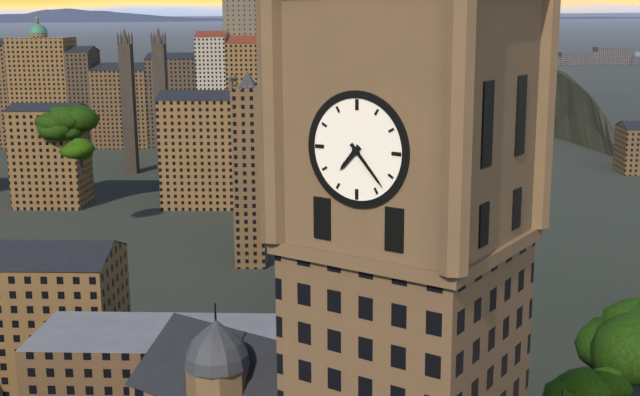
7:23
